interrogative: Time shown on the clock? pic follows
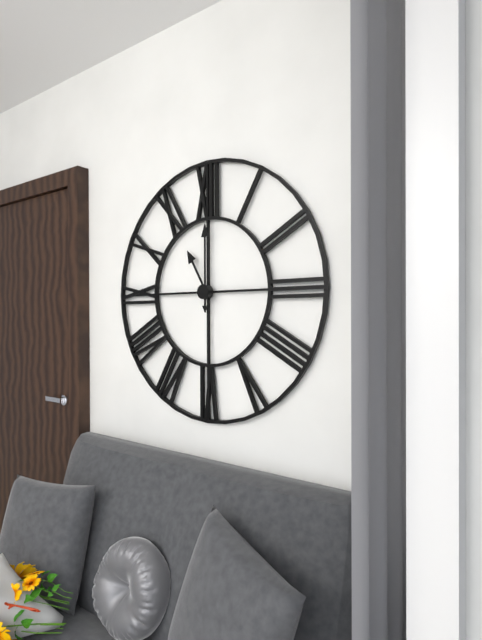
11:00
